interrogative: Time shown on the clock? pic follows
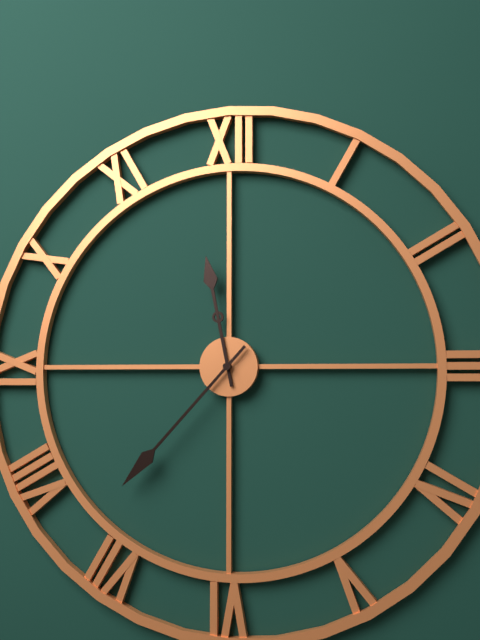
11:37
